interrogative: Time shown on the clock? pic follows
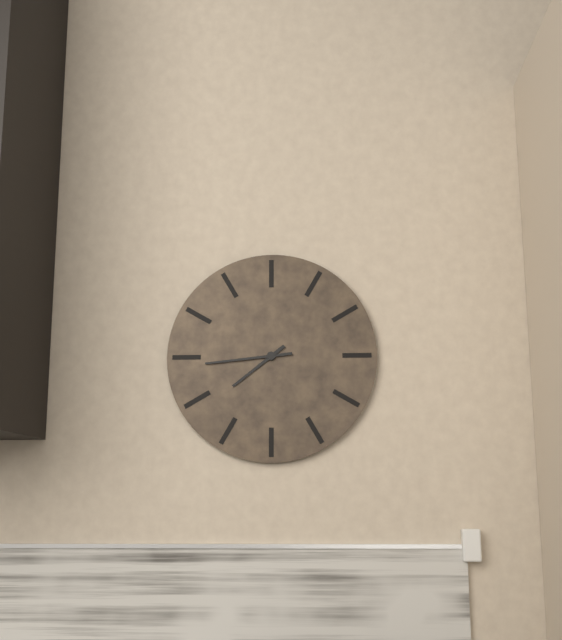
7:44
